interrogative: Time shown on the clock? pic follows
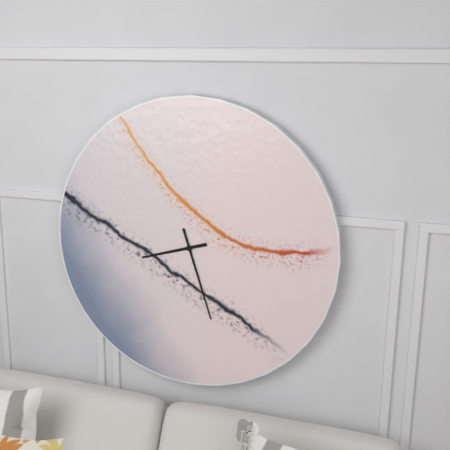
8:27
